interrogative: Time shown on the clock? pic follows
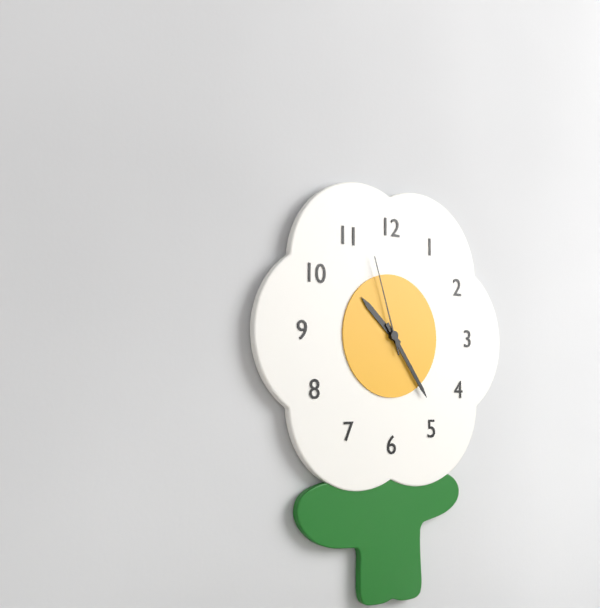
10:24:57
